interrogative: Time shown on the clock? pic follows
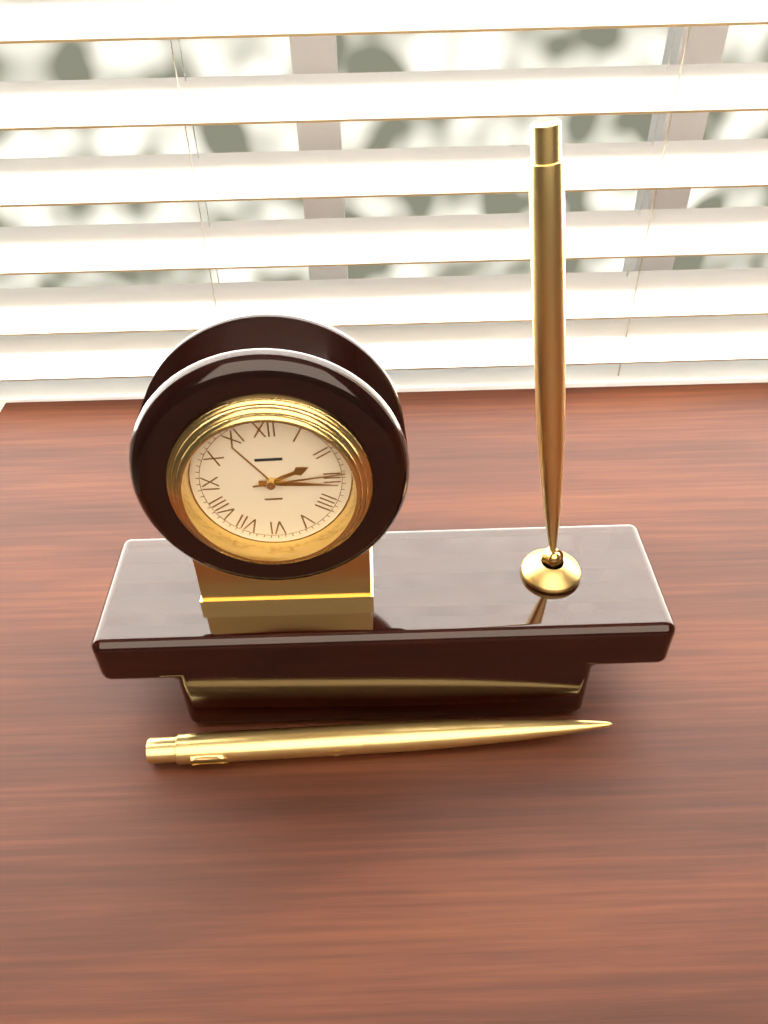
2:16:14
